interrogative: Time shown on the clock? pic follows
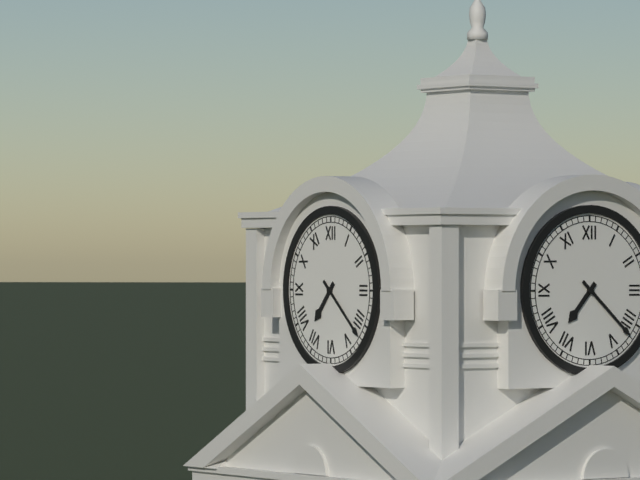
7:22
